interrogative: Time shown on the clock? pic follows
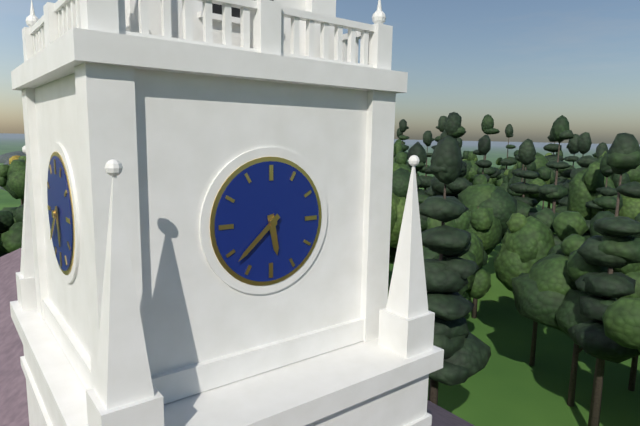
5:38
